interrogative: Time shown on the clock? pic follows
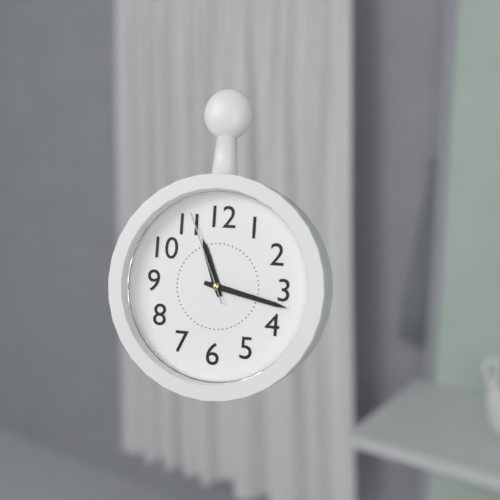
11:17:56
